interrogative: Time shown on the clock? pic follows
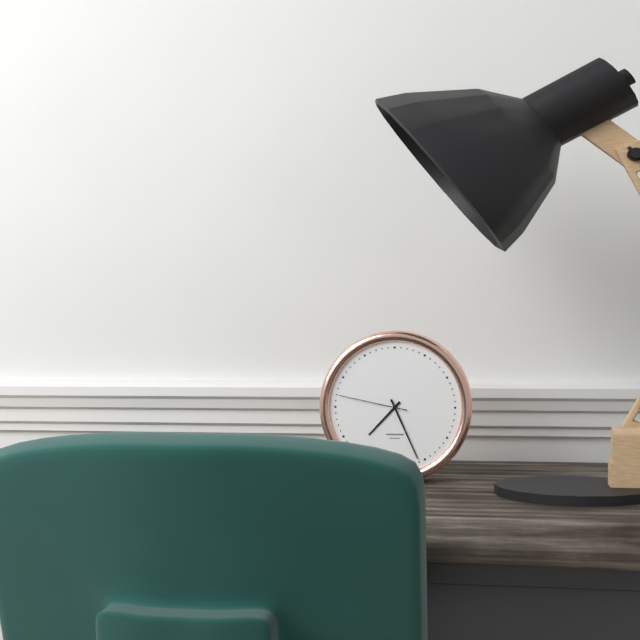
7:26:47
